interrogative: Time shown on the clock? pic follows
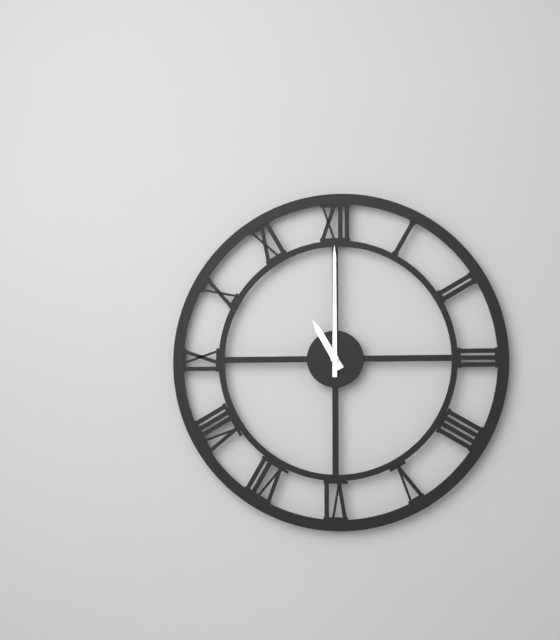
11:00
